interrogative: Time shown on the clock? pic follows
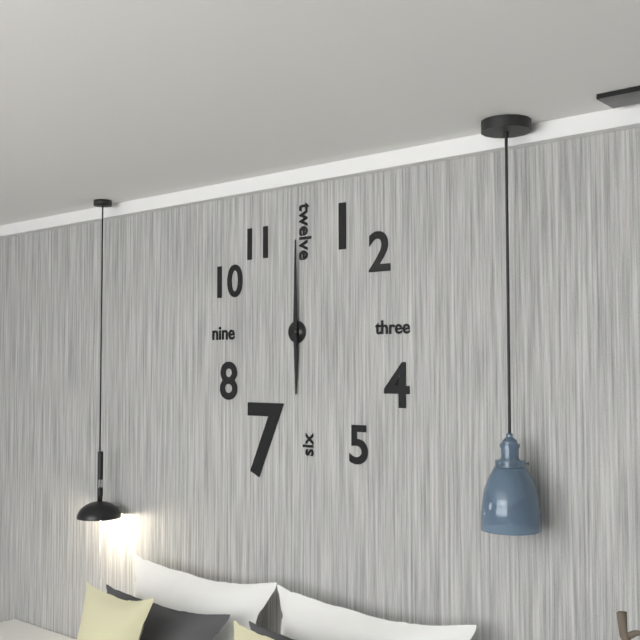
6:00
